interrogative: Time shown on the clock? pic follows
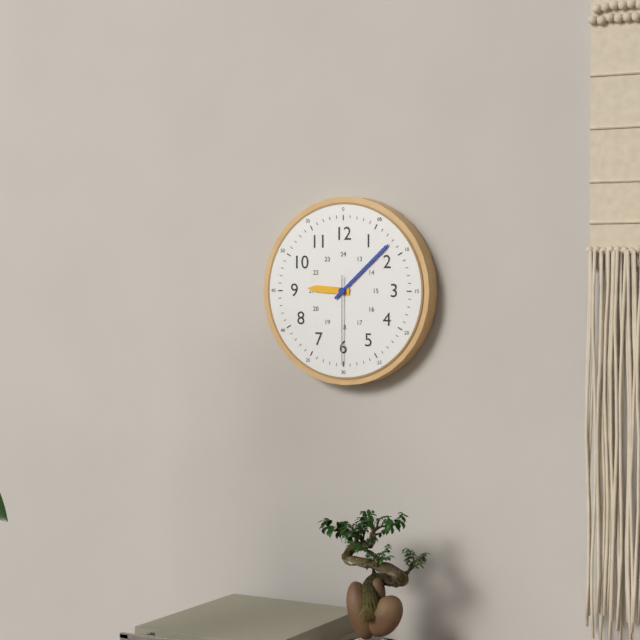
9:08:30
